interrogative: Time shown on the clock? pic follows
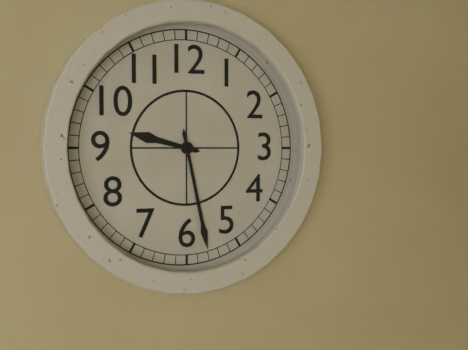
9:28
